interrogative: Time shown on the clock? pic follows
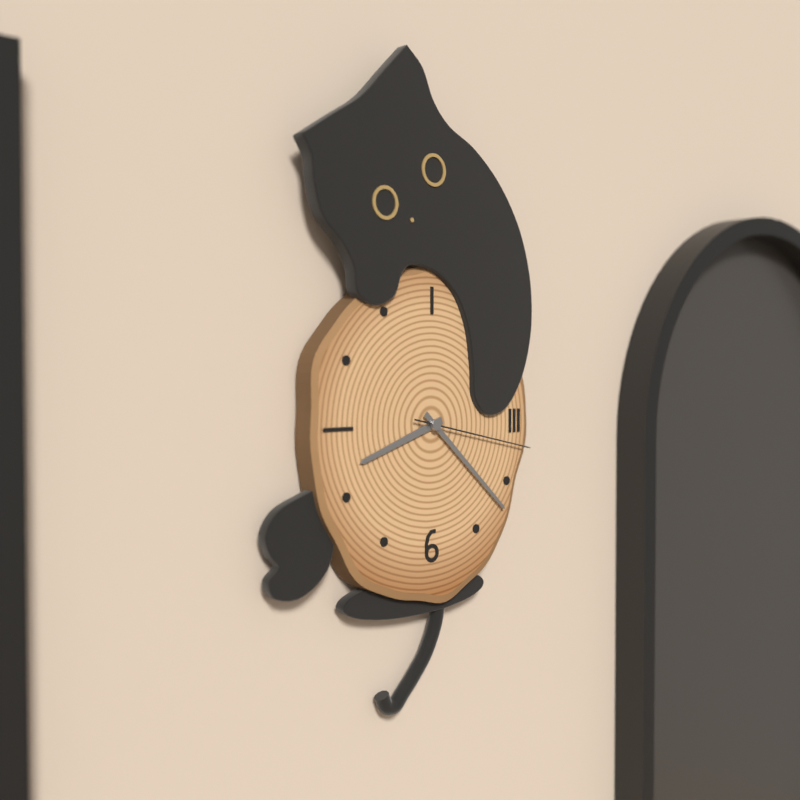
8:22:17
